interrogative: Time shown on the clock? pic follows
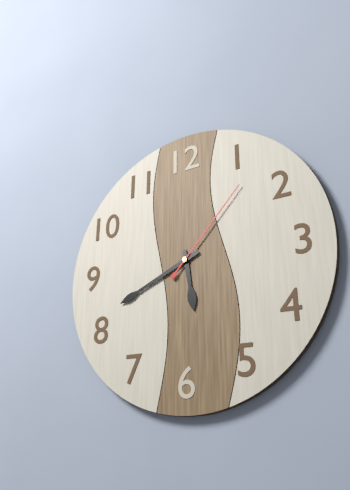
5:41:07
